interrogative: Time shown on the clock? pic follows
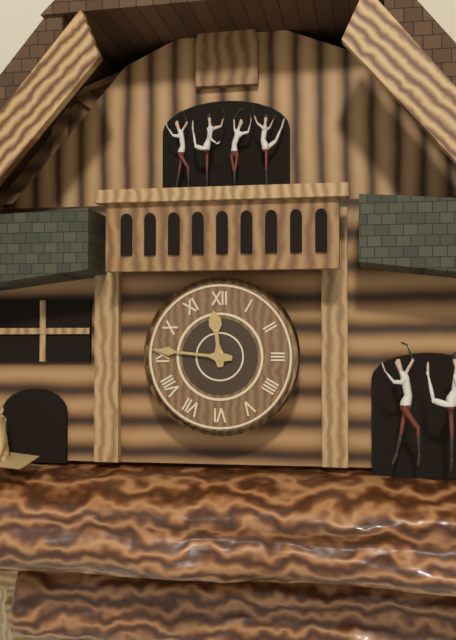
11:46
